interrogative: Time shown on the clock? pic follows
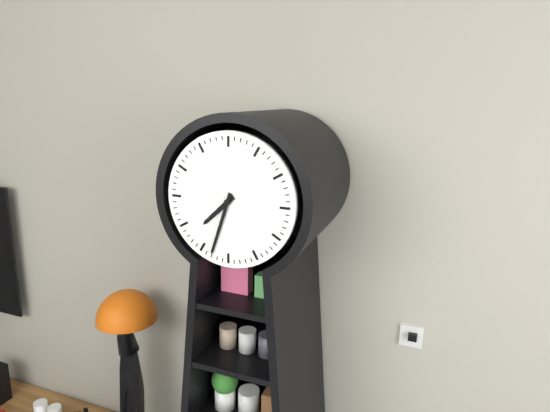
7:33
